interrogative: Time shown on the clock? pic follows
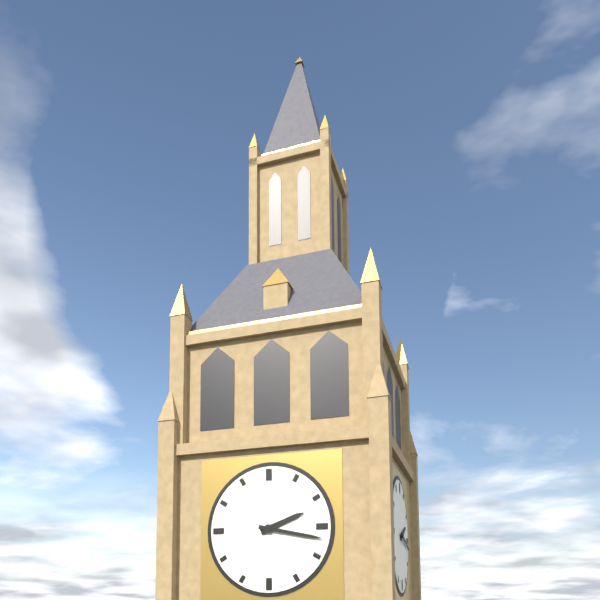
2:17
